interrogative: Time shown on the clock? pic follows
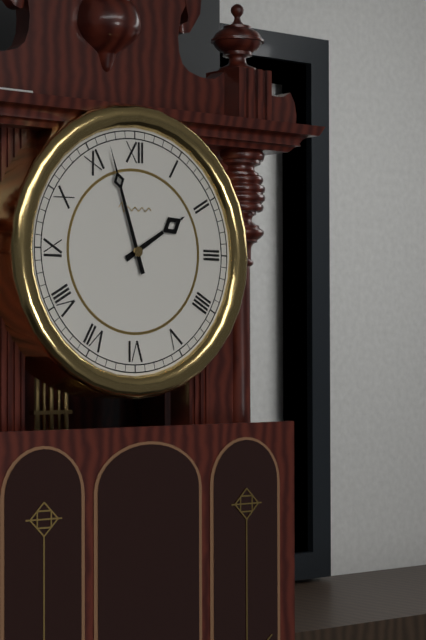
1:57
